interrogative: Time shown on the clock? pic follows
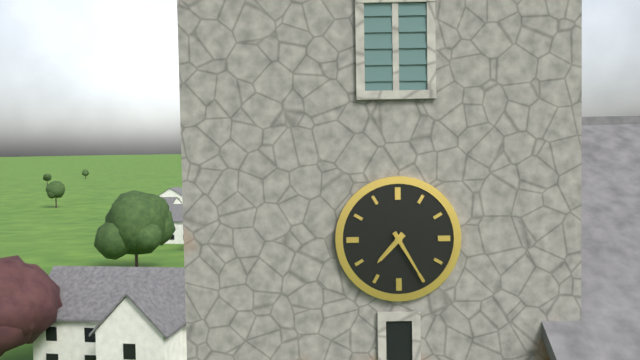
7:25
